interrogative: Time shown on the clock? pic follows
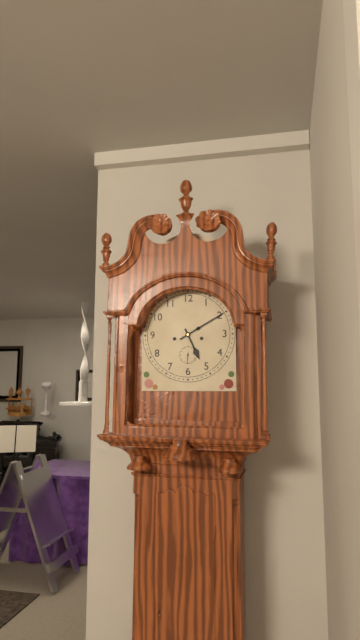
5:10
